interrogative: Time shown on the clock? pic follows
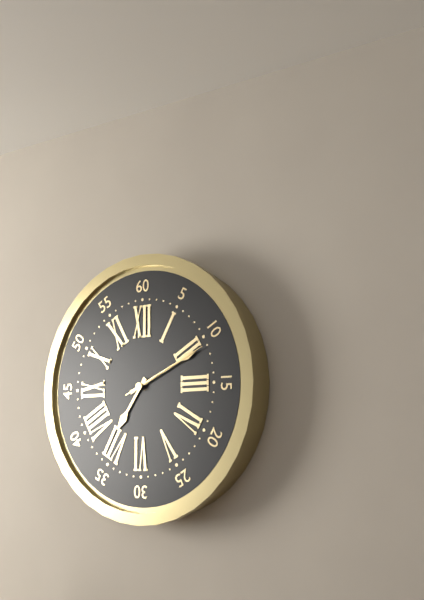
7:11:11
